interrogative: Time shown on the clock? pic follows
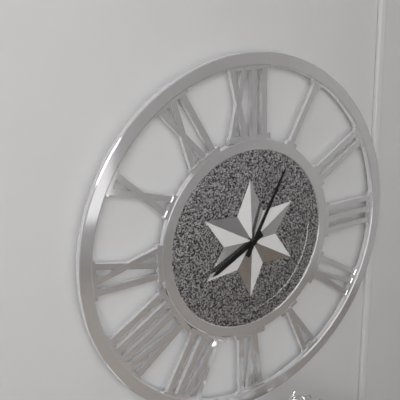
8:05
